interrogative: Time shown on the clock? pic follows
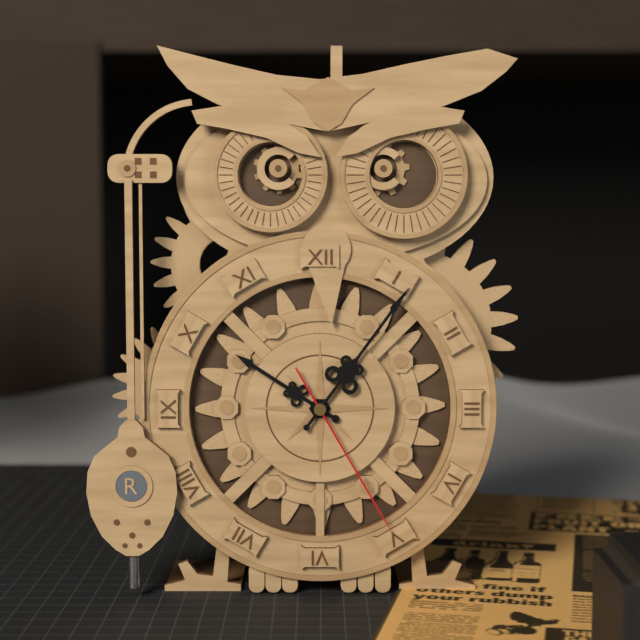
10:06:25
